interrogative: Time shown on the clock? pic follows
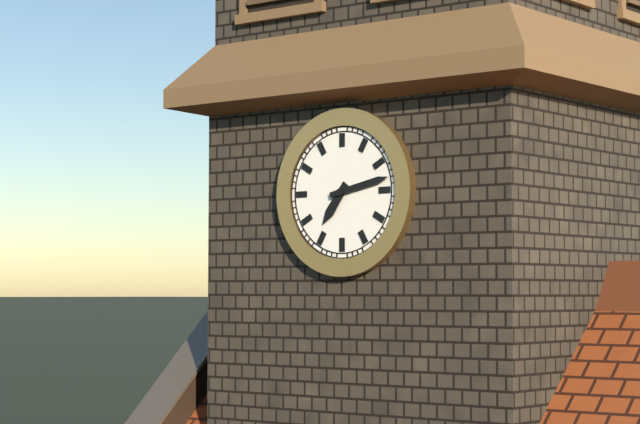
7:13
